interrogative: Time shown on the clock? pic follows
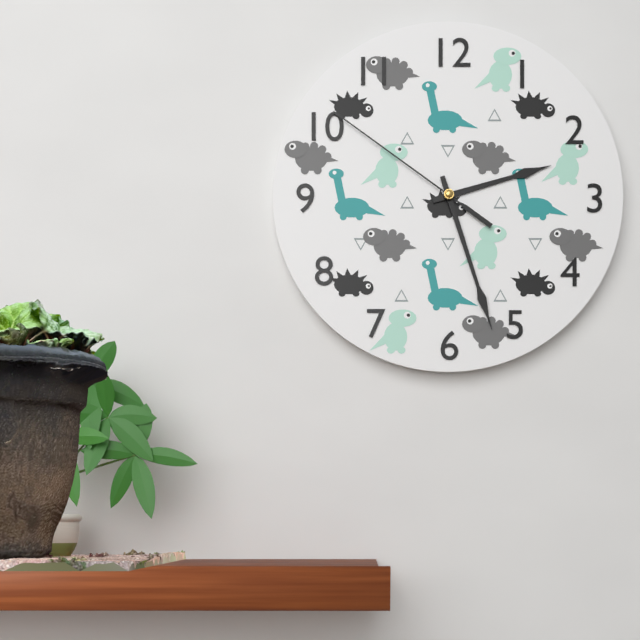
2:27:51
